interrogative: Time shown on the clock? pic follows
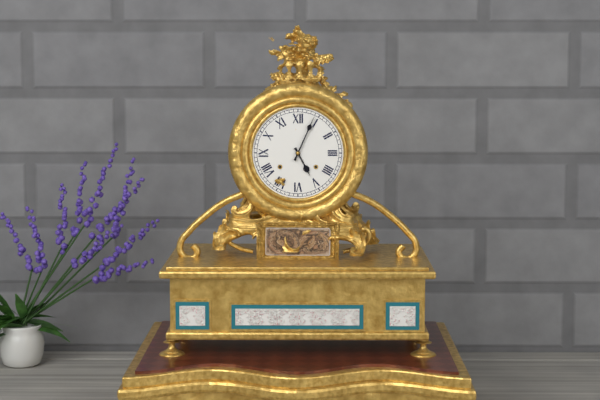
5:04
